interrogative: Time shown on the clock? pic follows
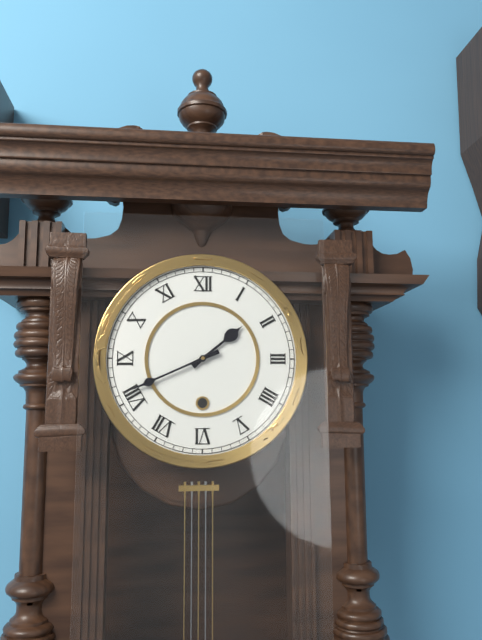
1:41
